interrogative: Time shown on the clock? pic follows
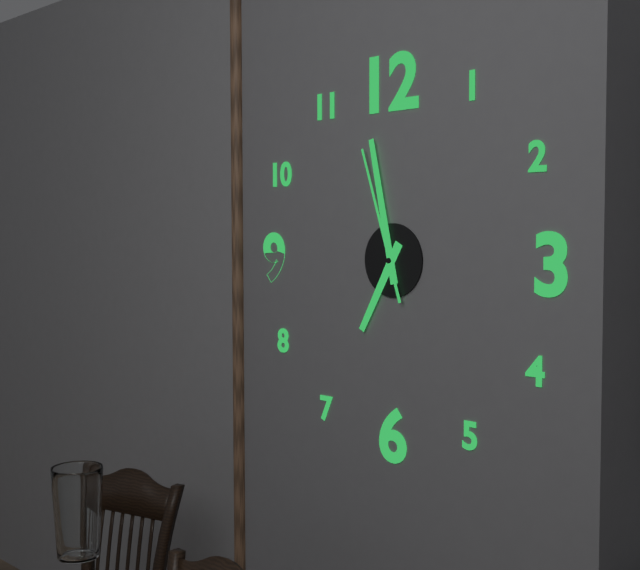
6:58:57
